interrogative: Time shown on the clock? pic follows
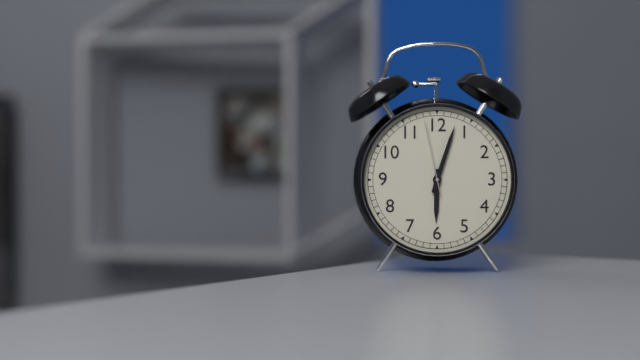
6:03:58
